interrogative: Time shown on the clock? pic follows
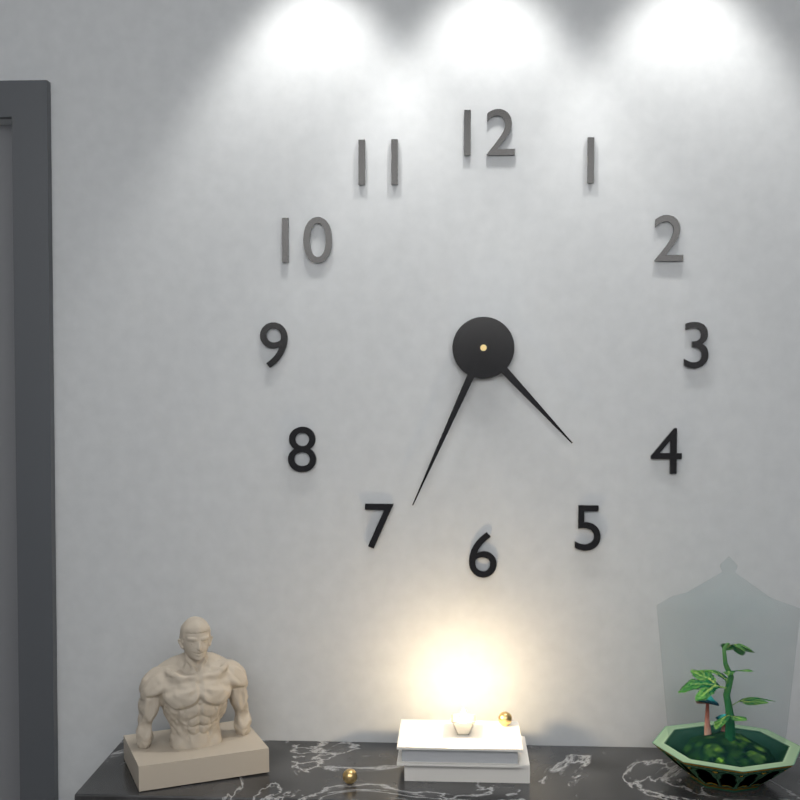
4:34
